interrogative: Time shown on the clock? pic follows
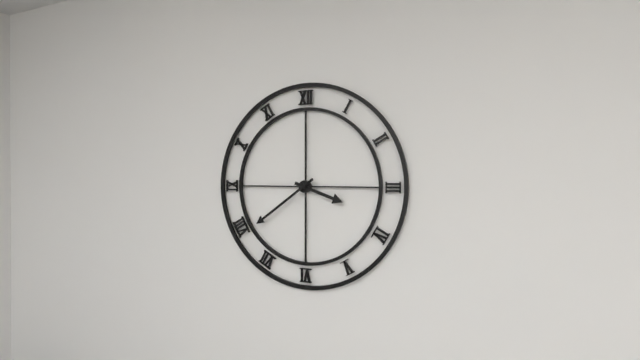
3:39
